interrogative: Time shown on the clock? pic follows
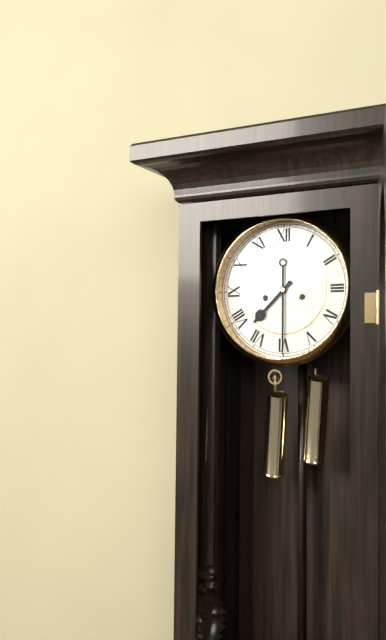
7:30
